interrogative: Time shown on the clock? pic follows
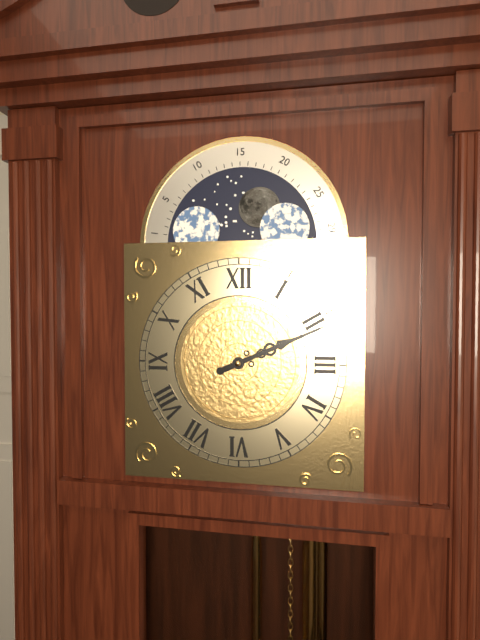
2:11
